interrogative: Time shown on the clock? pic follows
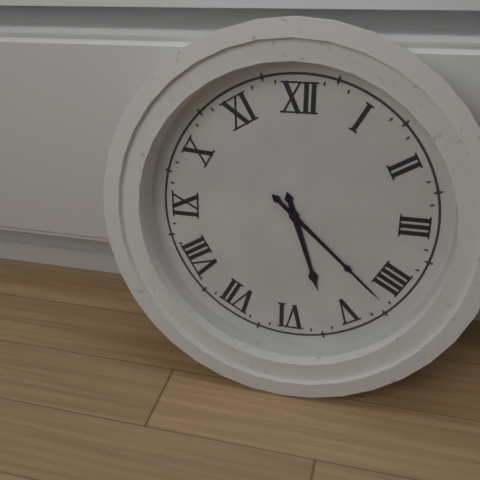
5:22
